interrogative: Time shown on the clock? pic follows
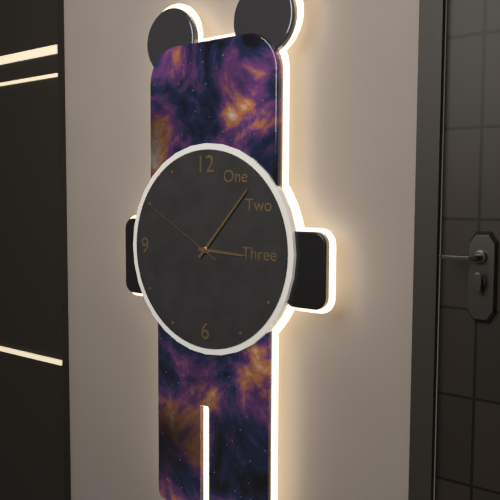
3:07:50
